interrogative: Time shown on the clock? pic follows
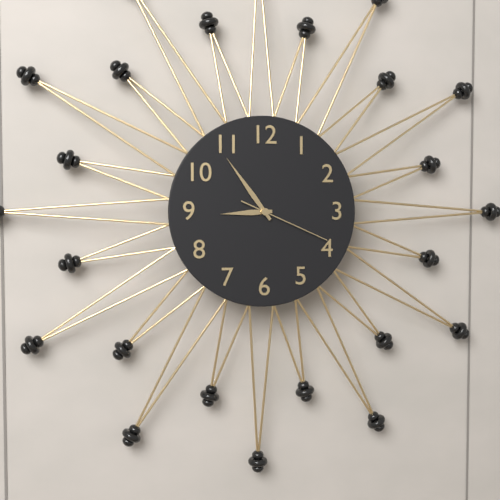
8:54:19
